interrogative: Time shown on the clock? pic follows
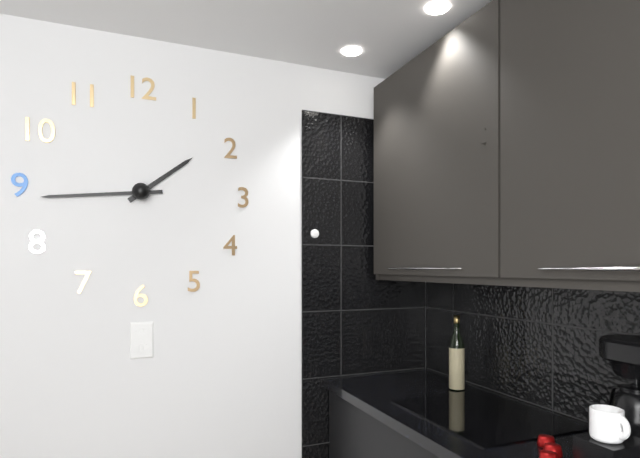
1:44
